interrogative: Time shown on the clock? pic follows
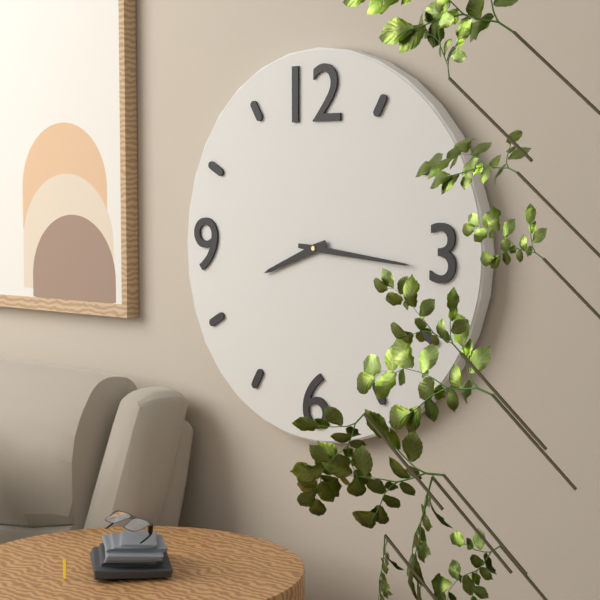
8:16
